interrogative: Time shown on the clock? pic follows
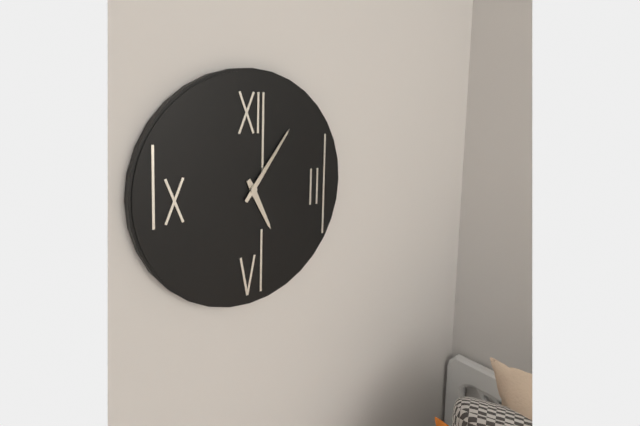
5:06
